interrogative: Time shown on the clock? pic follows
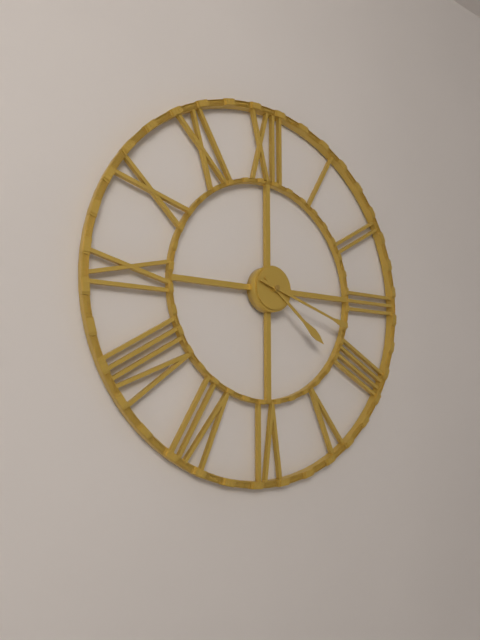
4:18
